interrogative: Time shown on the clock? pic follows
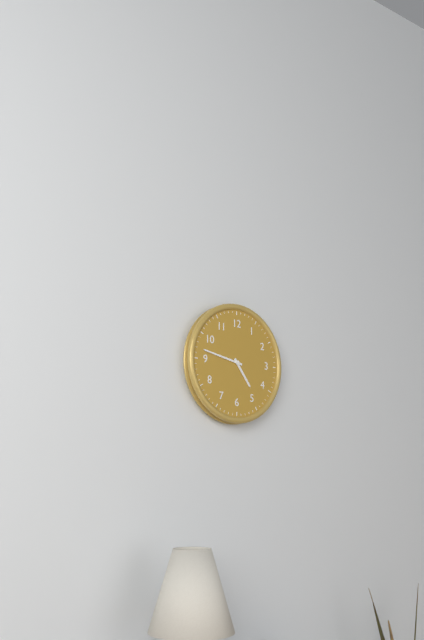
4:47
